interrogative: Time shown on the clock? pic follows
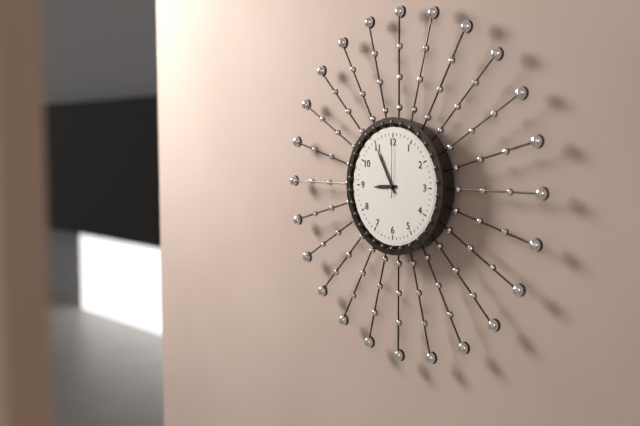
8:55:00
